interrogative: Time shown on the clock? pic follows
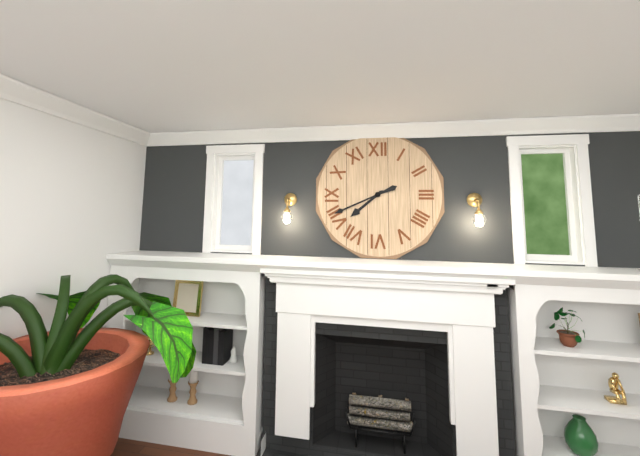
7:41
